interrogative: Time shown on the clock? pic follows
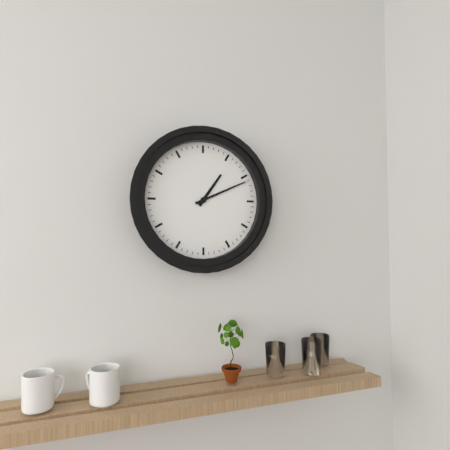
1:11
